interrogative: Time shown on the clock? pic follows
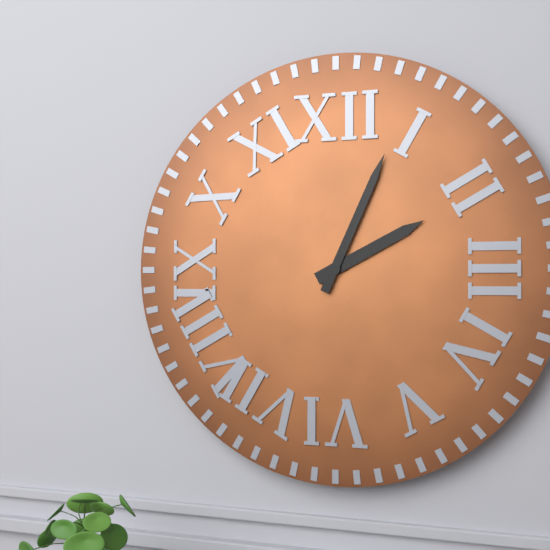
2:04
